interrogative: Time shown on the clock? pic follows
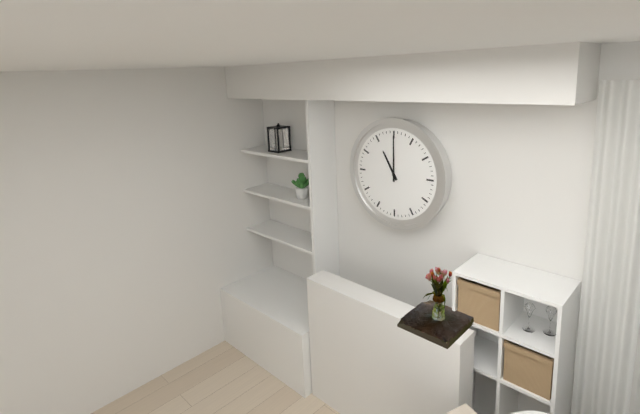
11:00
